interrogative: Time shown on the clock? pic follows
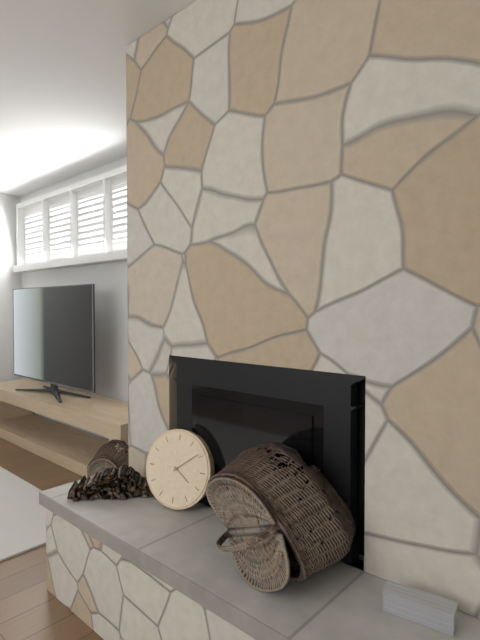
4:09
